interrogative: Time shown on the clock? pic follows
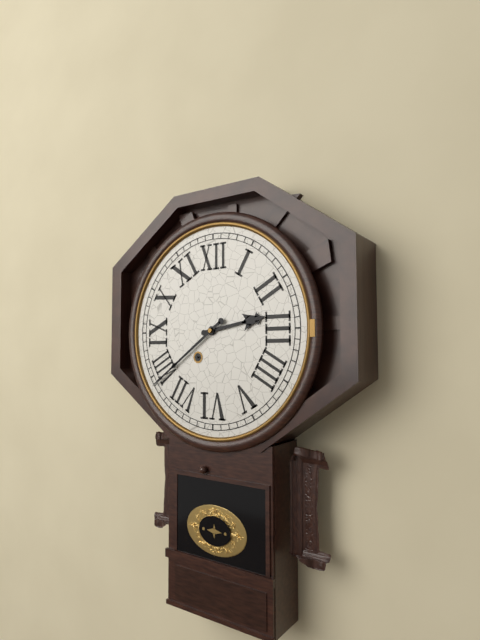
2:39
